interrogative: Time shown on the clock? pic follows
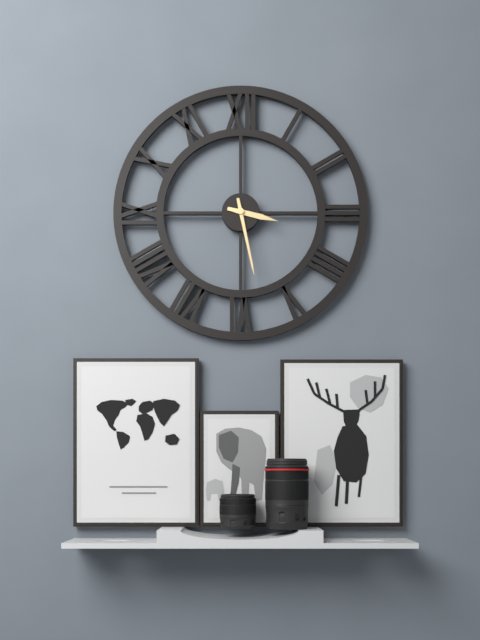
3:28
